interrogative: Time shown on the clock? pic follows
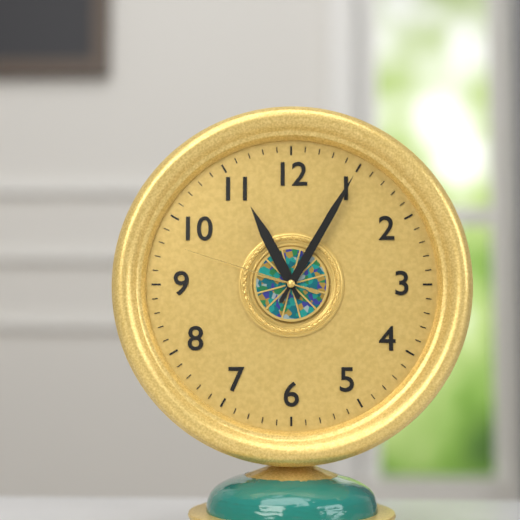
11:05:48
